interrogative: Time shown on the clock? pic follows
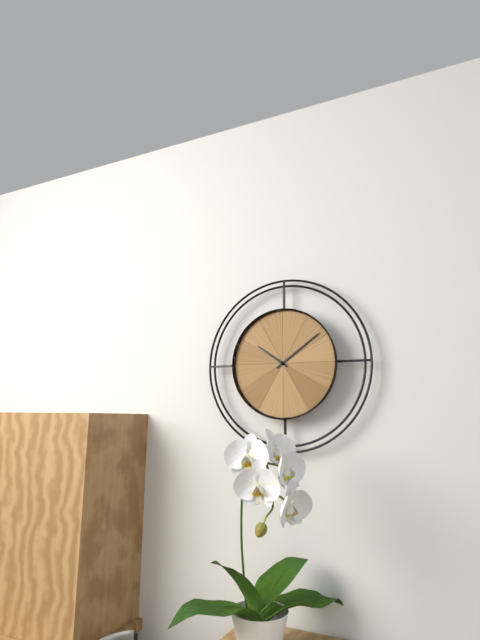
10:09
